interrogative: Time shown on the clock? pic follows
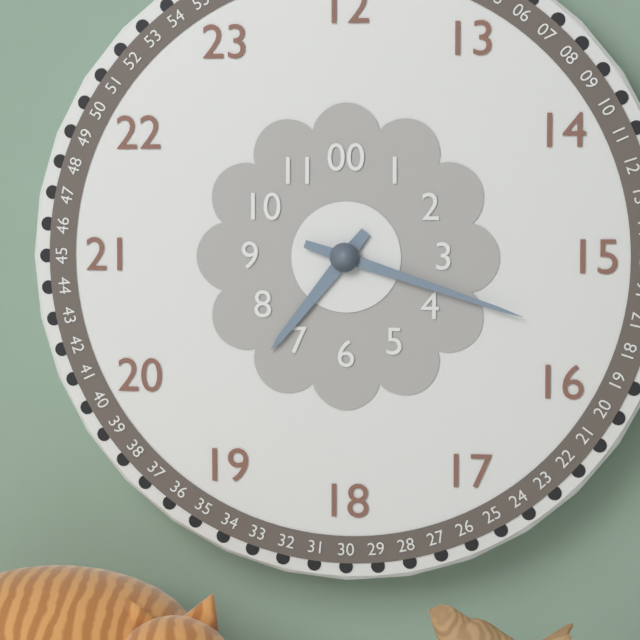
7:18
